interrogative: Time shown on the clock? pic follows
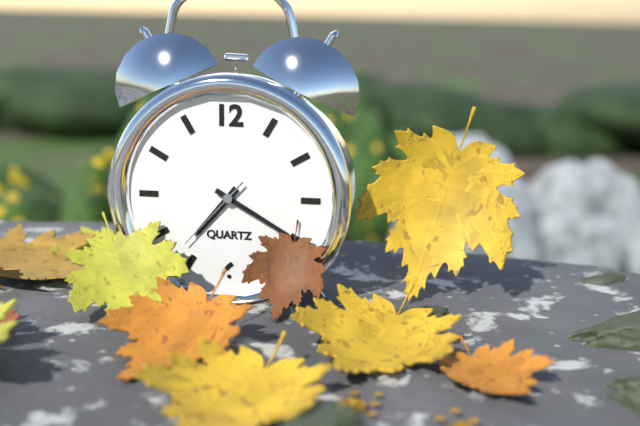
7:20:37
